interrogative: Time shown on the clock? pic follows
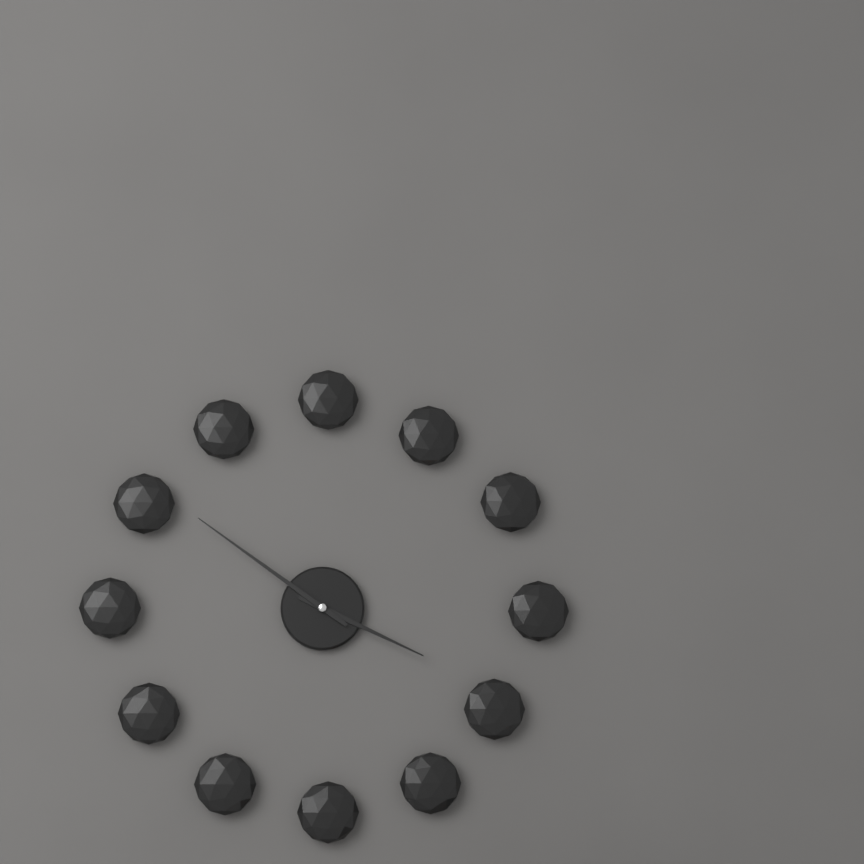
3:51
